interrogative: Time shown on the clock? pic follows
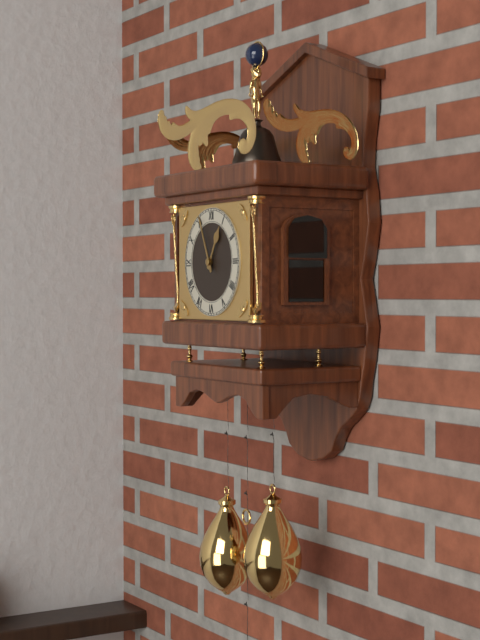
12:56
